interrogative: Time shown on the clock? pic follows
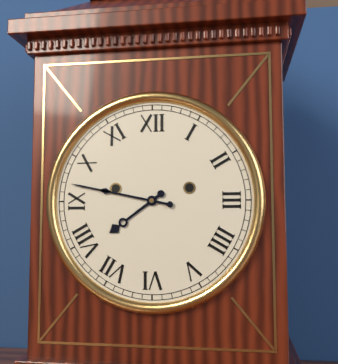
7:47
